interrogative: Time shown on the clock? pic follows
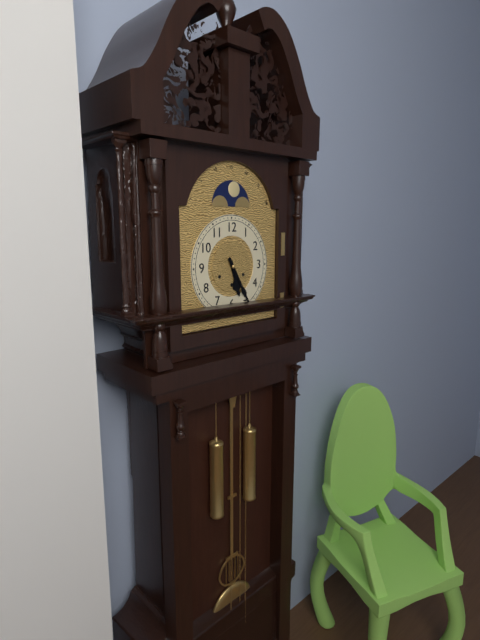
5:25
